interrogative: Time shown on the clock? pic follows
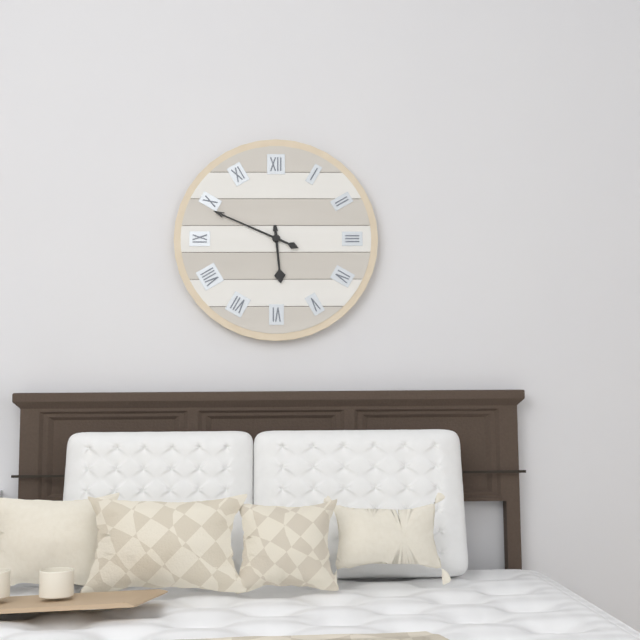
5:49
